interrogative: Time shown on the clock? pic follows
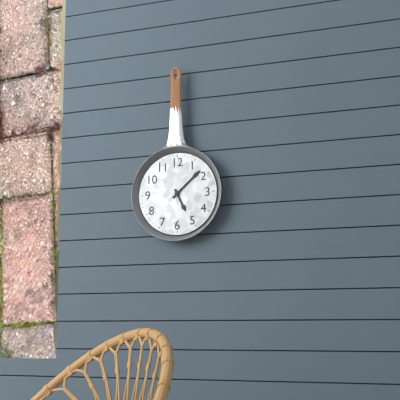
5:08
